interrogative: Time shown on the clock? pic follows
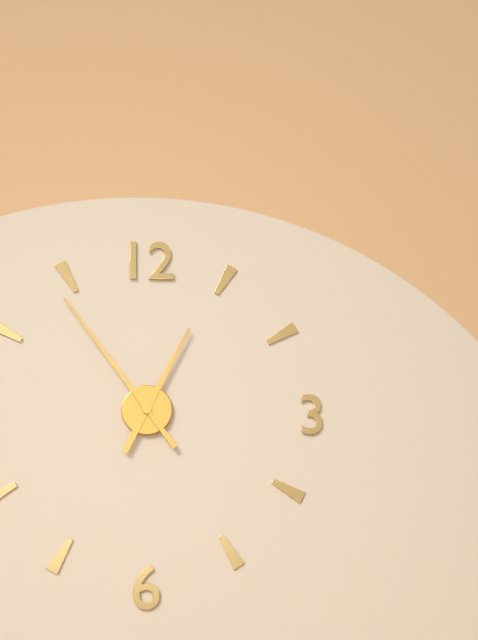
12:54
